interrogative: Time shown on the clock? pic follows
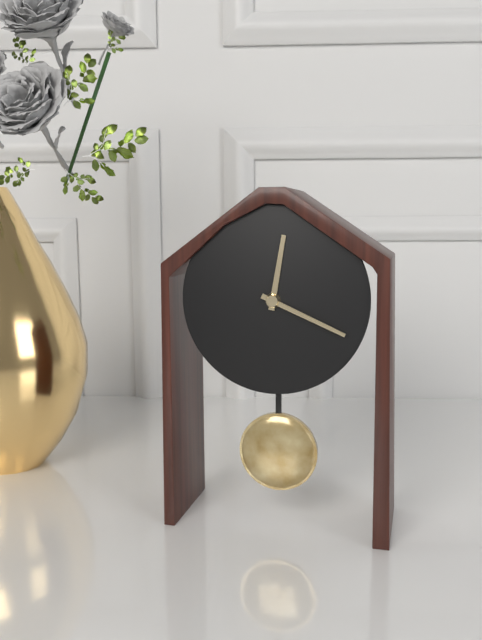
12:19
